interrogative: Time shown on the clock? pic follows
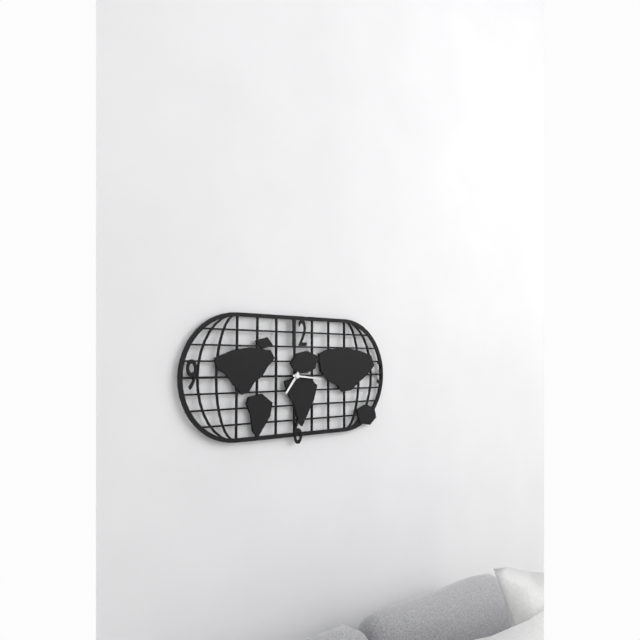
7:16
